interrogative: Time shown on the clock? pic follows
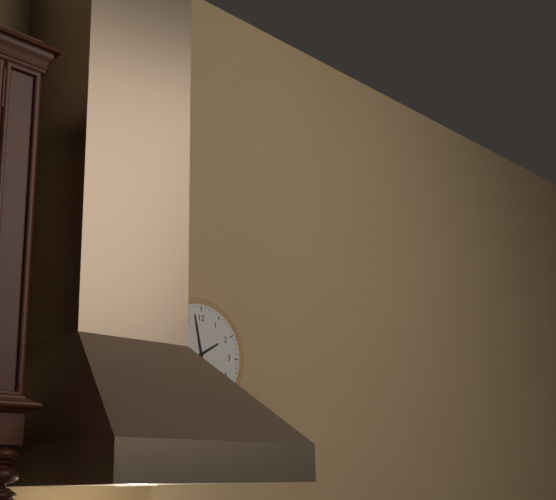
1:58
